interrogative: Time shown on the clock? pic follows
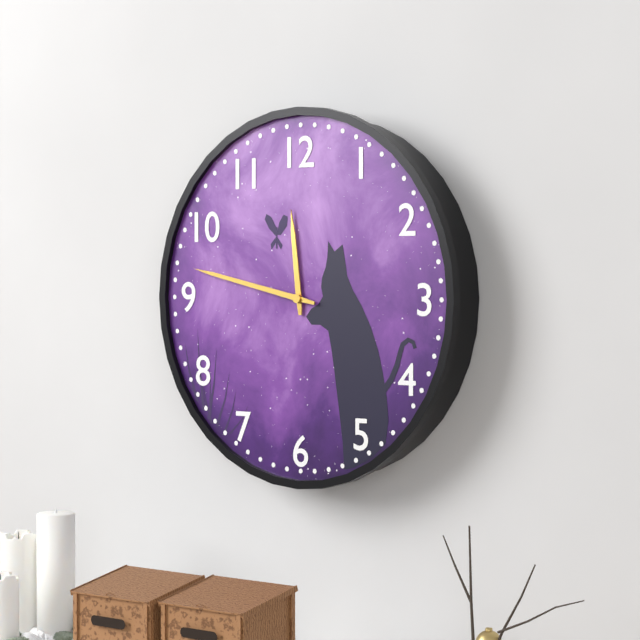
11:47
